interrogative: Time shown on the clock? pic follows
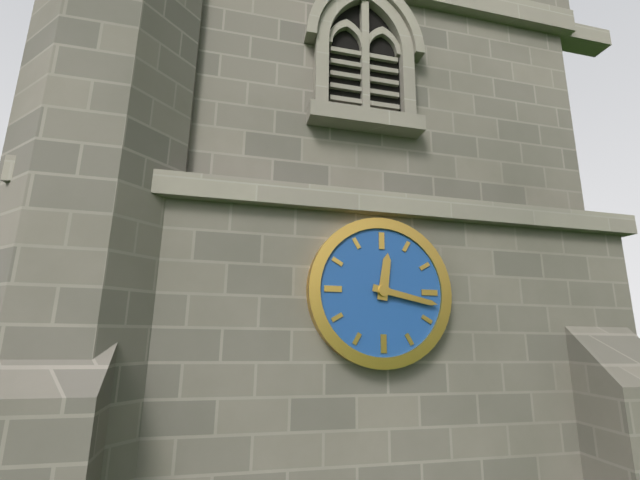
12:17
